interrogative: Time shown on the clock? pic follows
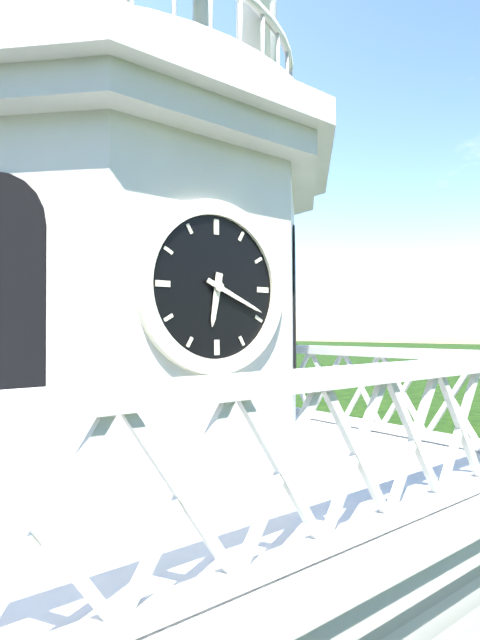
6:19
